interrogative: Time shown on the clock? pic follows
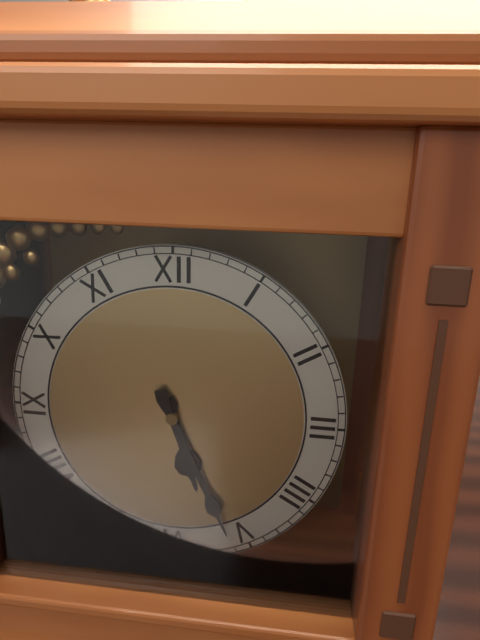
5:26
